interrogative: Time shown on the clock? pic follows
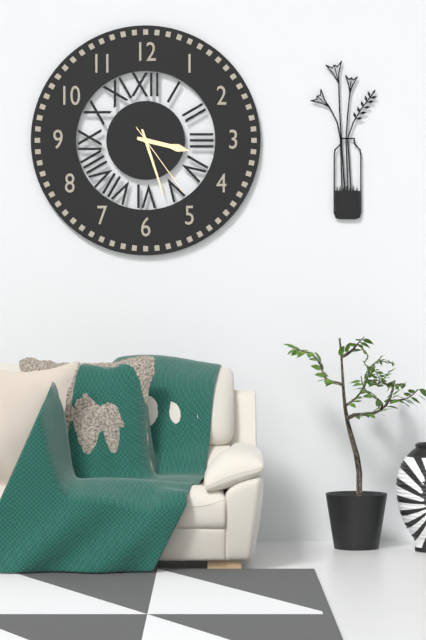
3:27:24
